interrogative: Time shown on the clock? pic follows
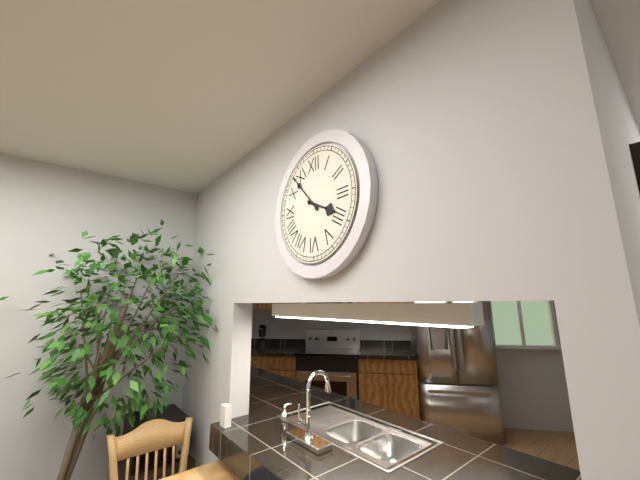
3:53
